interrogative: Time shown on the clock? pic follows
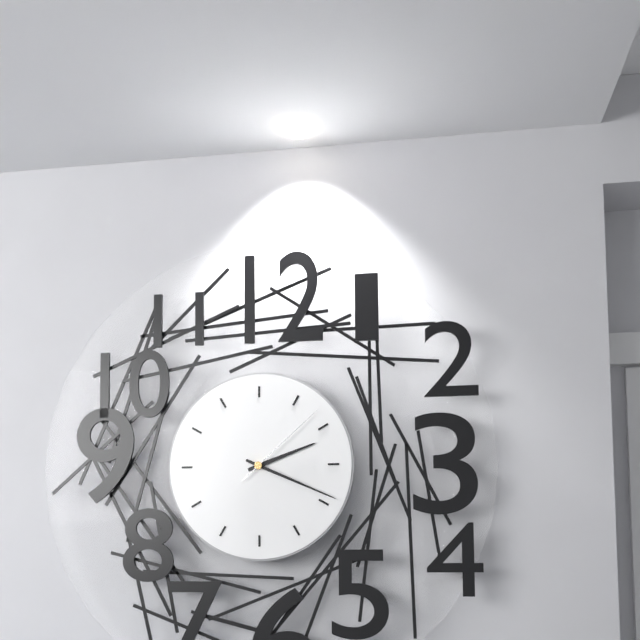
2:19:08
